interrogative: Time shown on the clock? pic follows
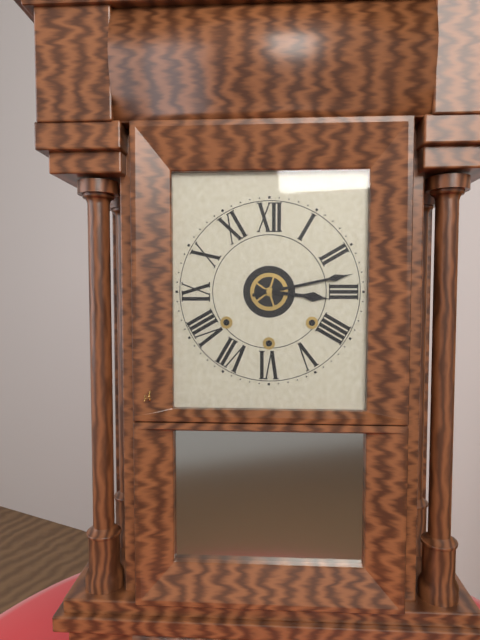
3:13
